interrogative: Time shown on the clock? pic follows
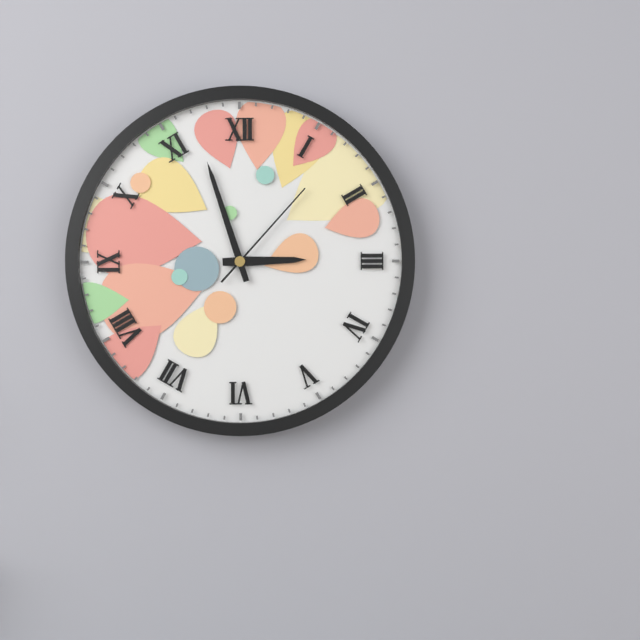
2:57:07
